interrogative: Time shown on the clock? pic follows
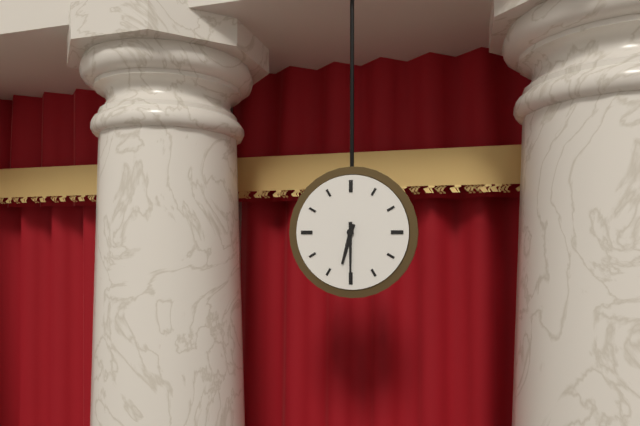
6:30
